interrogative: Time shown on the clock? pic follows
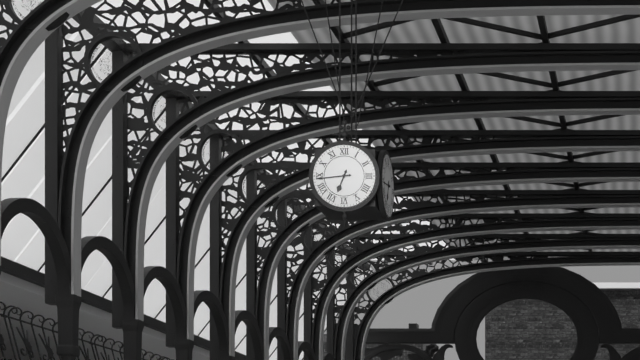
6:44
